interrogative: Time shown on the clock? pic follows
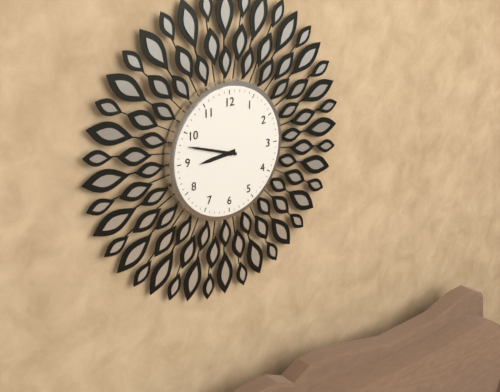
8:48
